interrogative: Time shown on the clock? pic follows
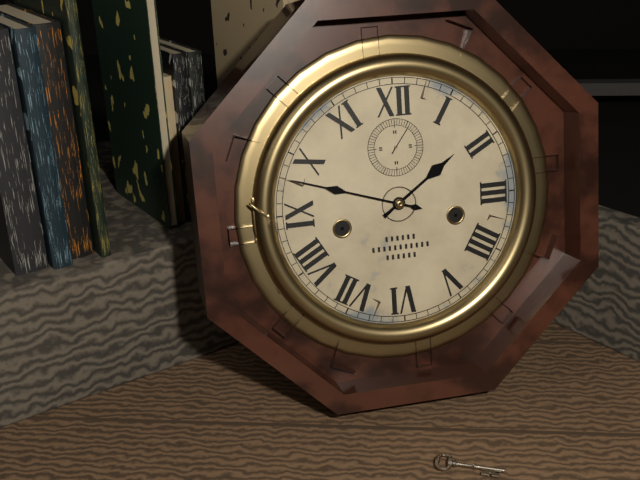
1:48
